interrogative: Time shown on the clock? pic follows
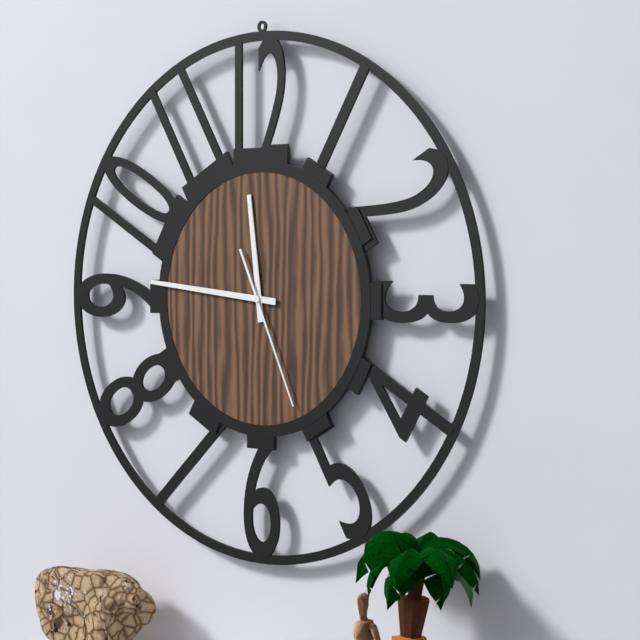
11:46:26
